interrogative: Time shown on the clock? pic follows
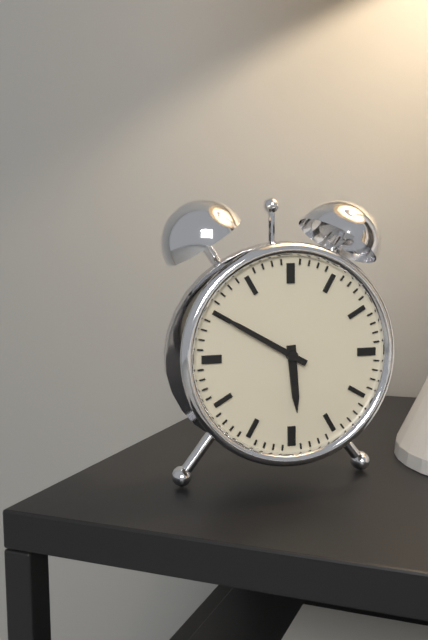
5:50
